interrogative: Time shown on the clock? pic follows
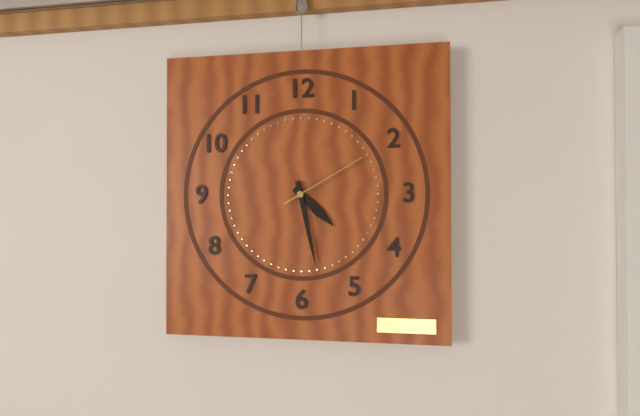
4:28:10
